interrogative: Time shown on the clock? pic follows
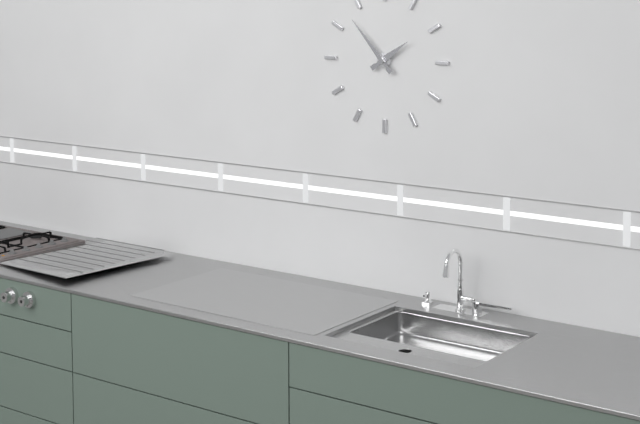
1:53
